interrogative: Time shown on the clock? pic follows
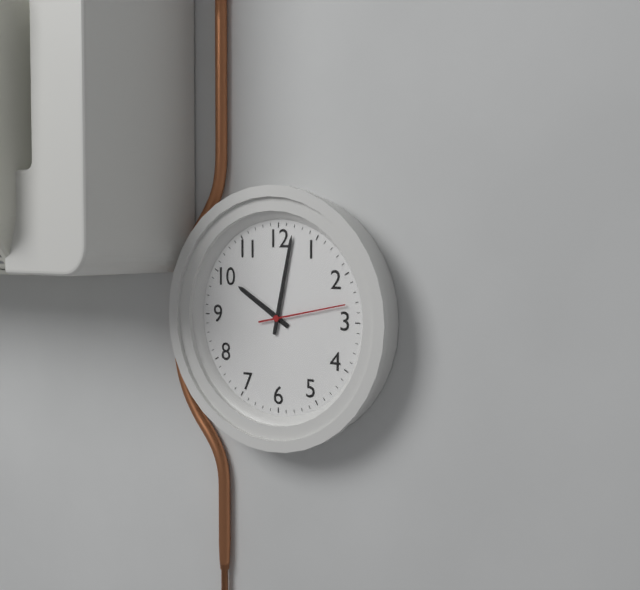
10:02:13
